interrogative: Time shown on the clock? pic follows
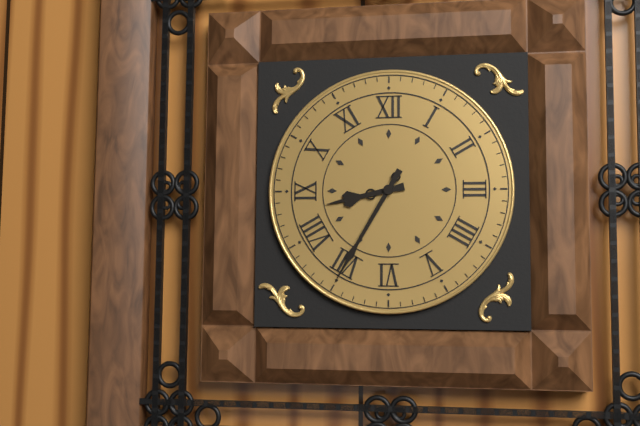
8:35
